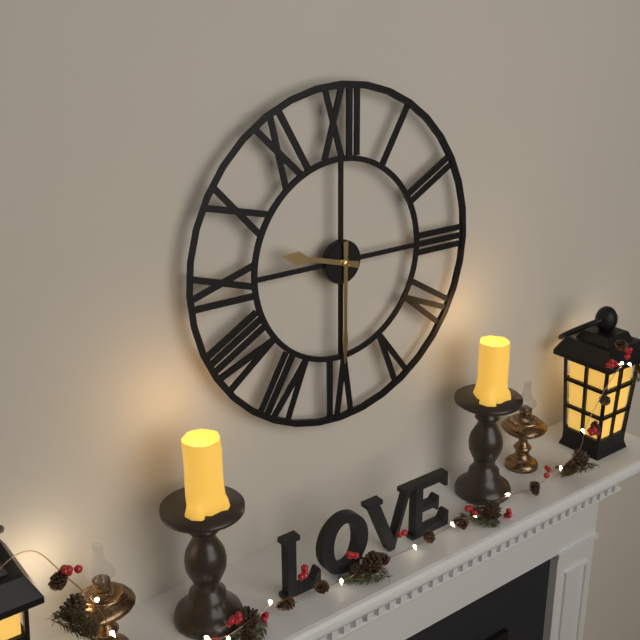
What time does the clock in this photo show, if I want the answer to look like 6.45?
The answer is 9.30
